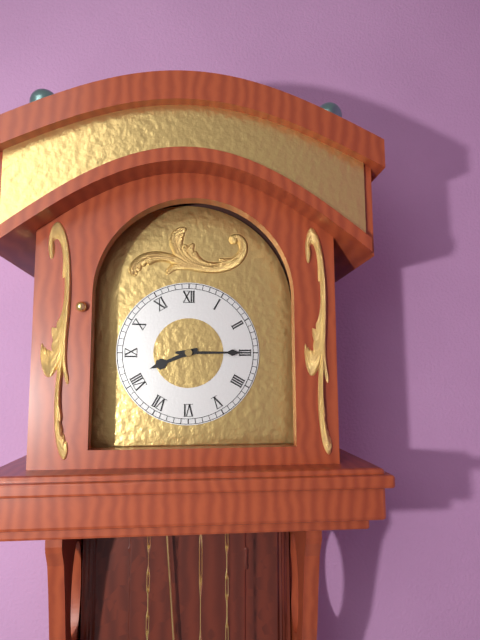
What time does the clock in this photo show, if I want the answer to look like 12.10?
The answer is 8.15
